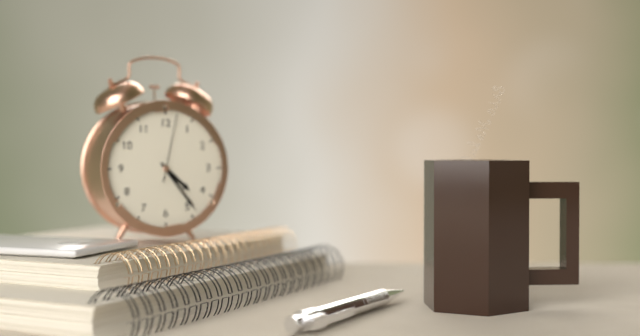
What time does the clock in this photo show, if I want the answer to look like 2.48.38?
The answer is 4.24.02
